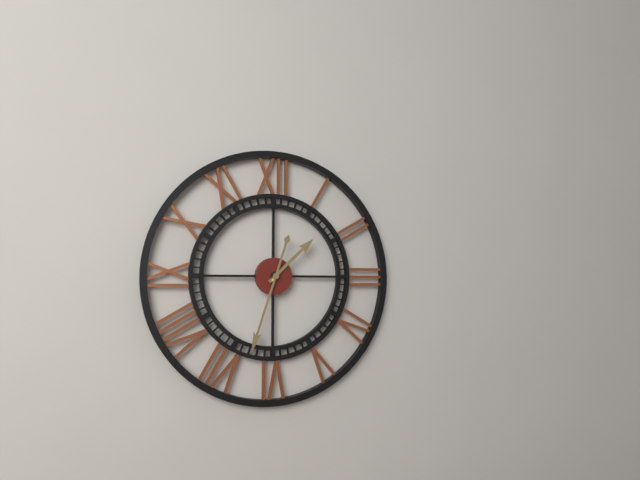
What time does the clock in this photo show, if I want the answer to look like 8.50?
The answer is 1.33
